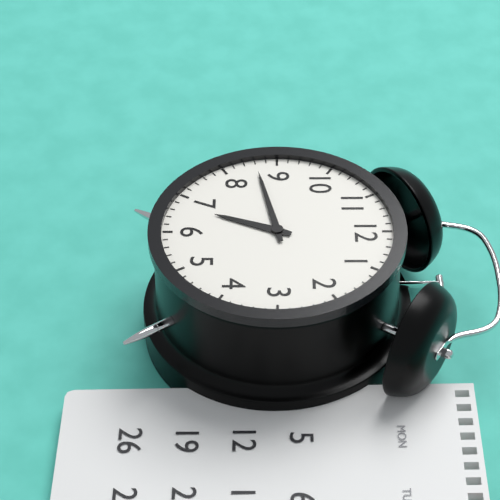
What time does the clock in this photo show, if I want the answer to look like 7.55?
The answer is 6.43
